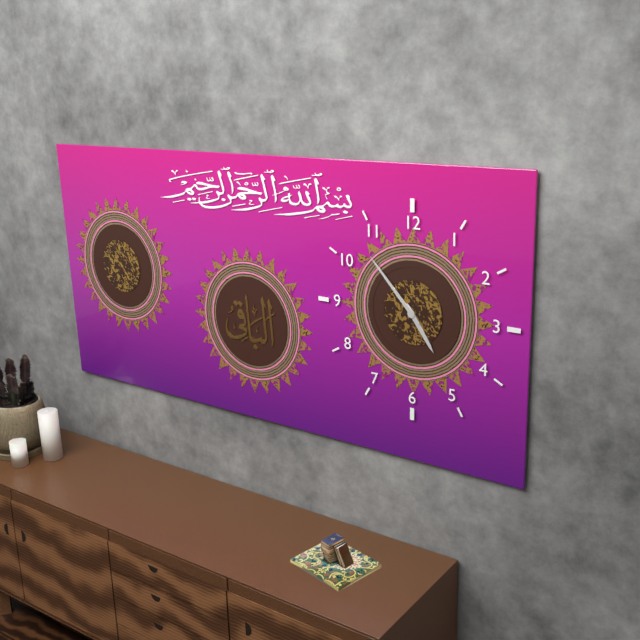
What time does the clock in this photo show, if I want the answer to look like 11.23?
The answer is 4.53
